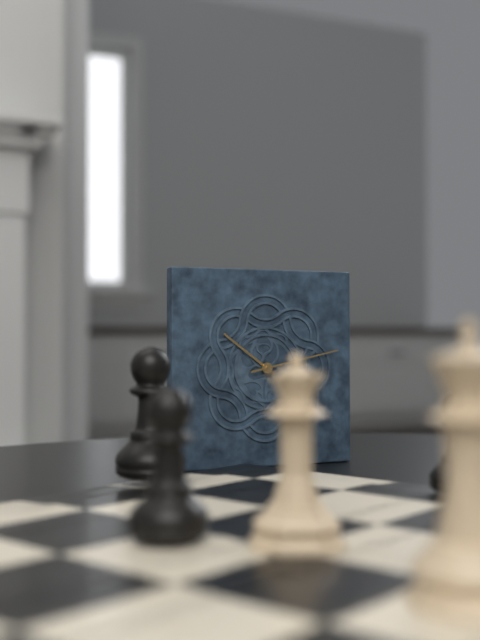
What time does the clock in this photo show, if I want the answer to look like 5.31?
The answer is 10.13
